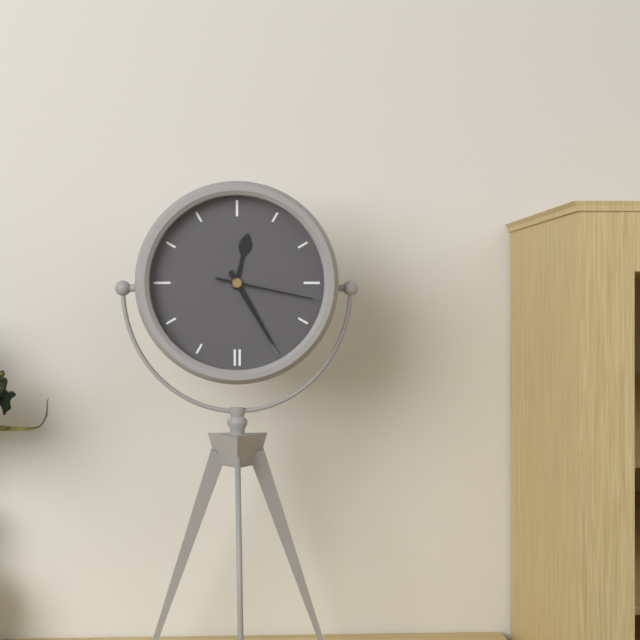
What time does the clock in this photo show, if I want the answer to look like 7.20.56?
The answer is 12.25.17
